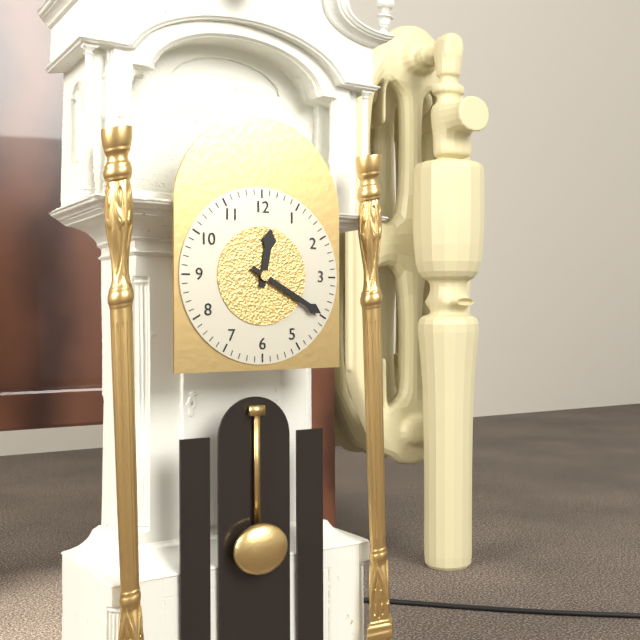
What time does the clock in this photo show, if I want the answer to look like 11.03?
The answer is 12.20
